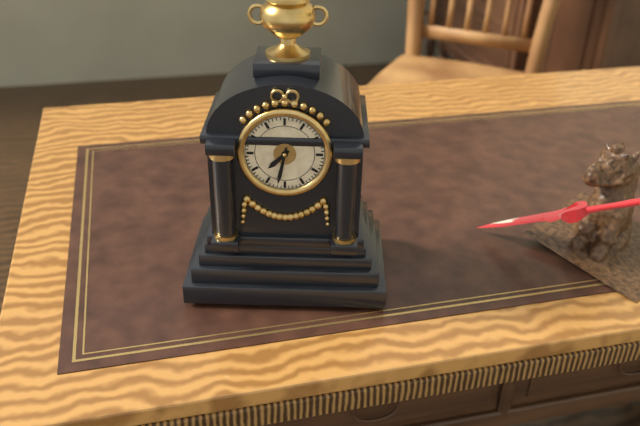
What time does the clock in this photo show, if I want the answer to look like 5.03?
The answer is 7.32
